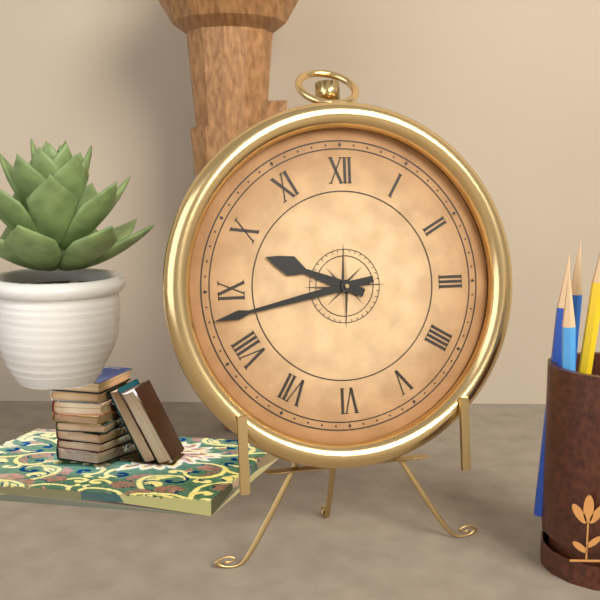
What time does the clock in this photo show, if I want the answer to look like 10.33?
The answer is 9.43
